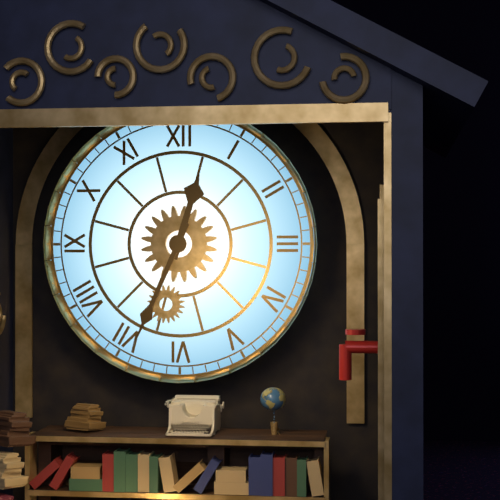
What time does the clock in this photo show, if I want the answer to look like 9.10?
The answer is 12.34
